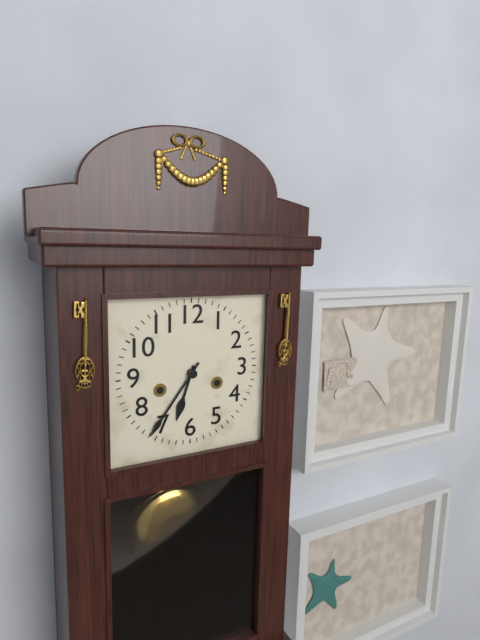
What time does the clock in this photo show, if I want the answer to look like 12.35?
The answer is 6.36
